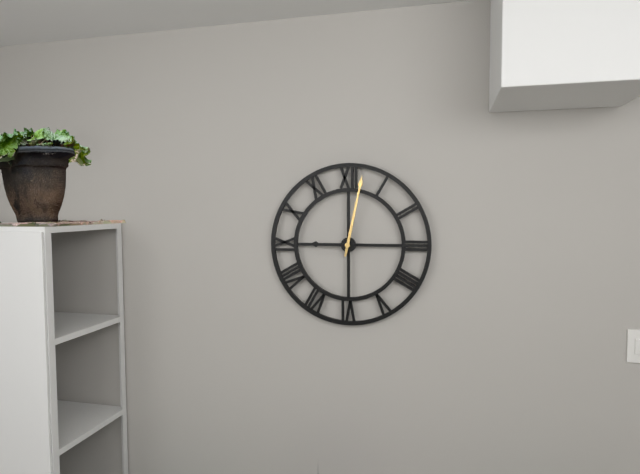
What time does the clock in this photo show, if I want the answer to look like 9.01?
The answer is 9.02
